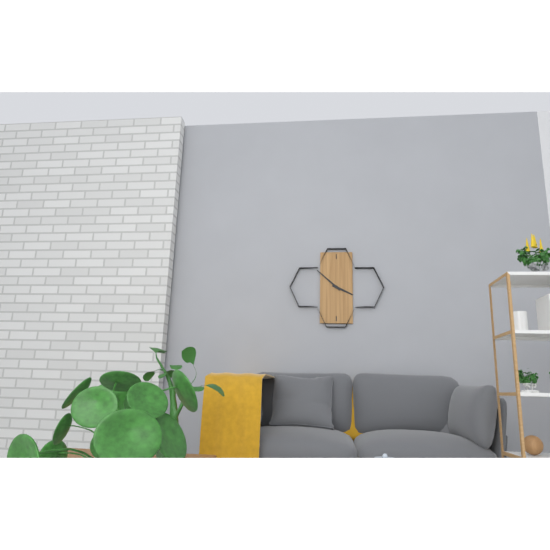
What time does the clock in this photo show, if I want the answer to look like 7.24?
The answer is 3.52
